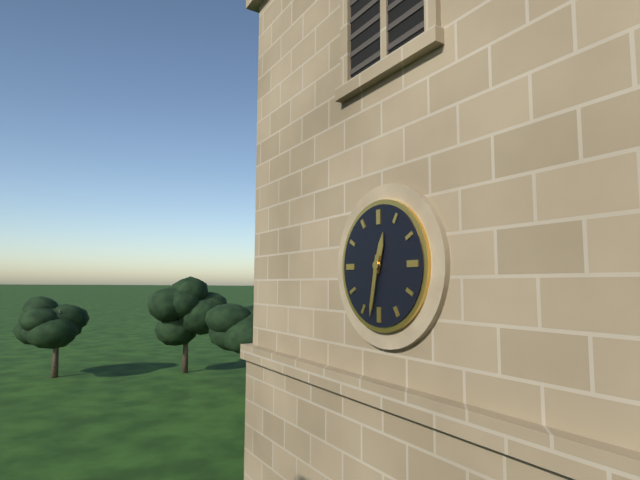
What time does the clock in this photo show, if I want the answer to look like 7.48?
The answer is 12.32
